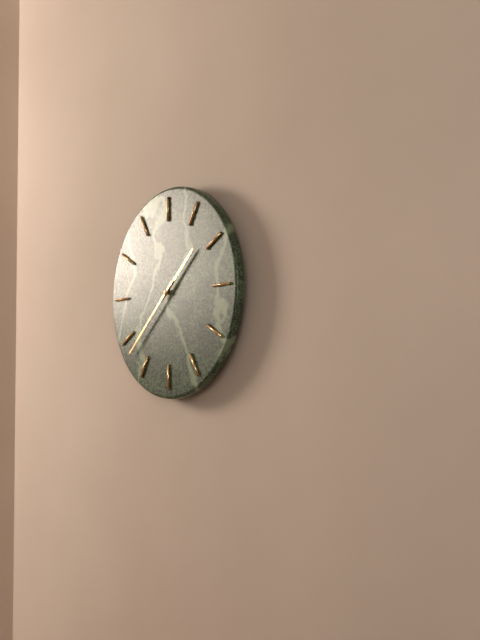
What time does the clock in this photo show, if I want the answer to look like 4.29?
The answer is 1.38
